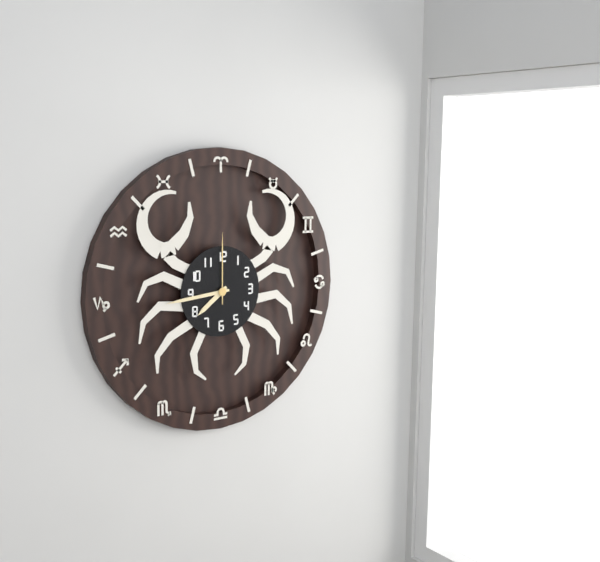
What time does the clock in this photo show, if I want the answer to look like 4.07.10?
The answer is 7.44.00
